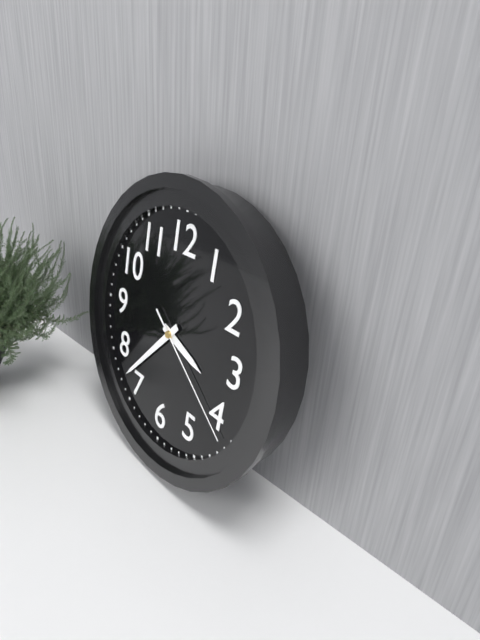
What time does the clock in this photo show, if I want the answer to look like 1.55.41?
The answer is 3.37.21
